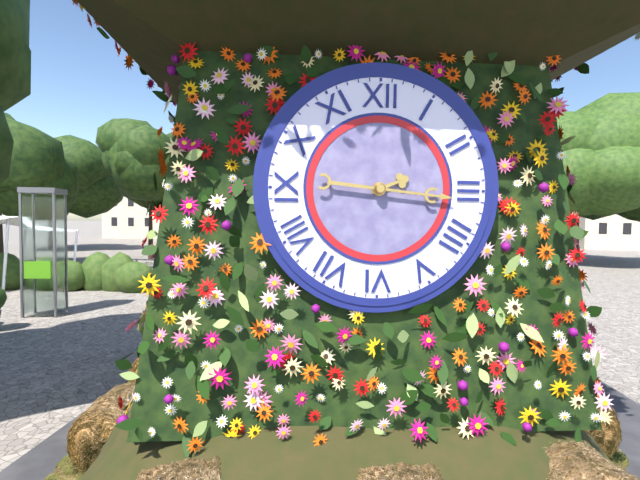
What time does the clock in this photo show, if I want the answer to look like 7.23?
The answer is 2.16
